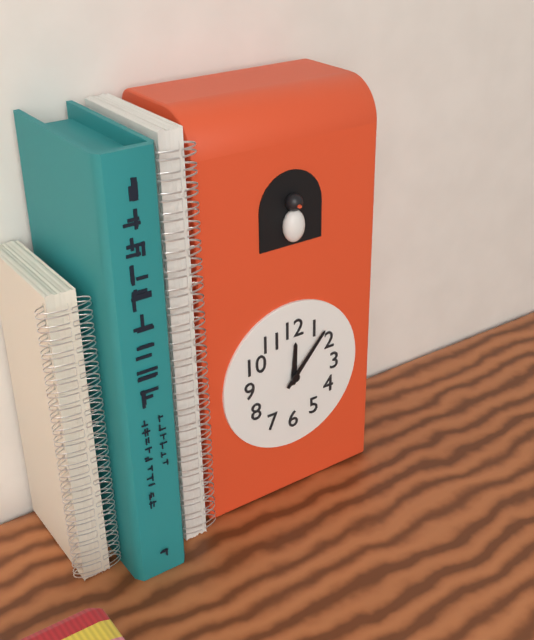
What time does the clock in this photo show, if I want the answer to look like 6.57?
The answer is 12.07
